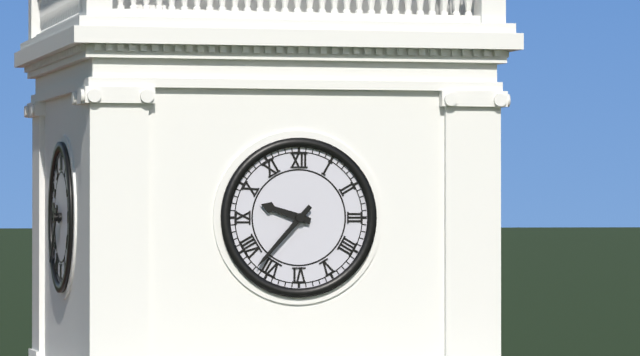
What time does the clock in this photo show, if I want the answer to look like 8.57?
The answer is 9.37
